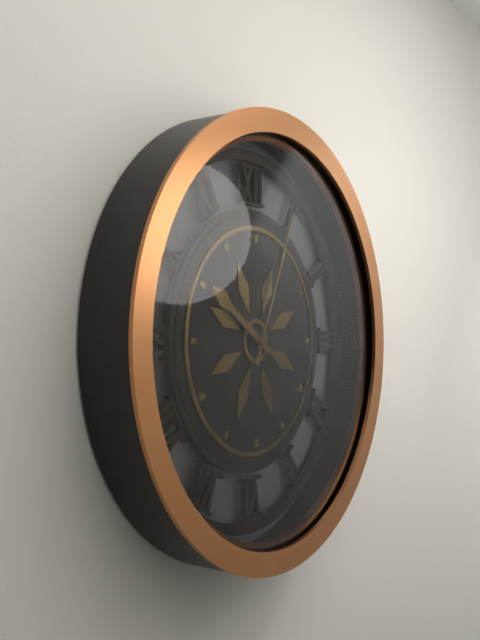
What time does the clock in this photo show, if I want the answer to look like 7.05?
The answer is 10.04
